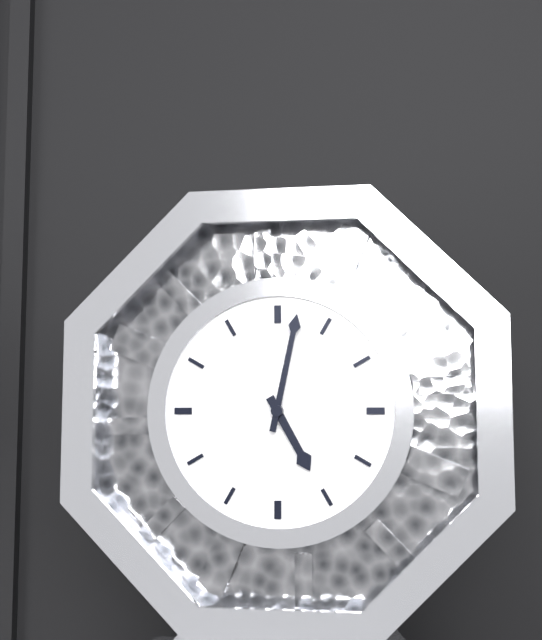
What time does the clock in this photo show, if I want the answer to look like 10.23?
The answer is 5.02
